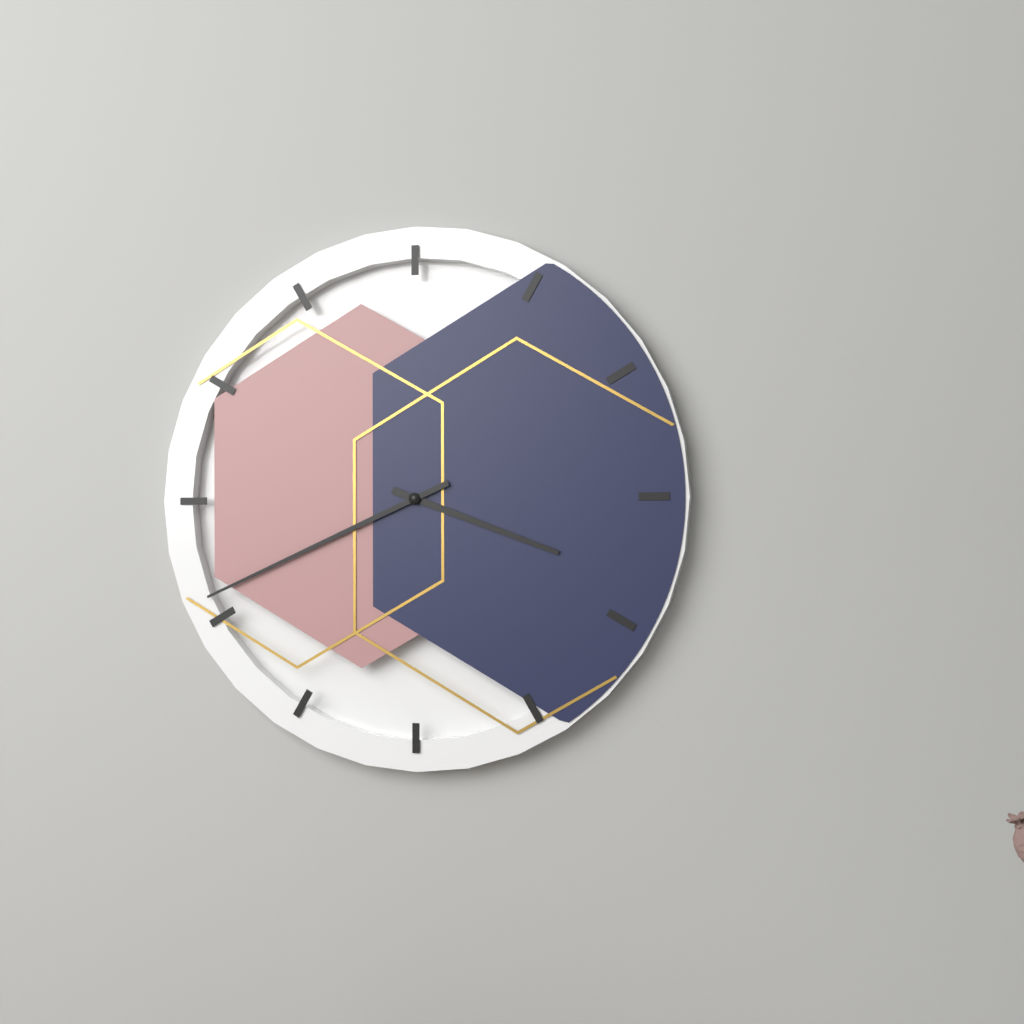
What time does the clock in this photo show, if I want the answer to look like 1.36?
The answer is 3.41
